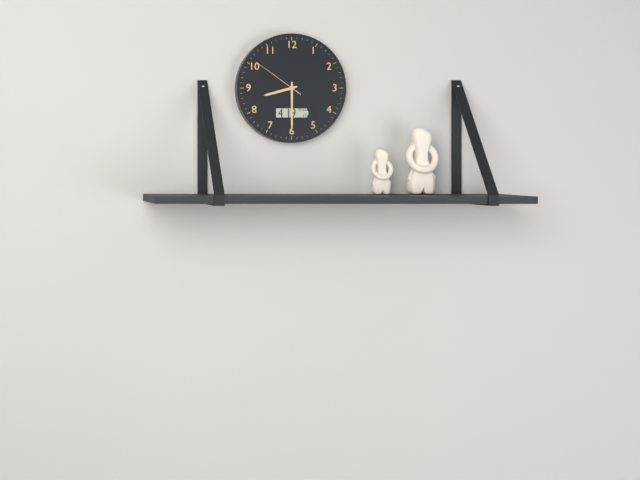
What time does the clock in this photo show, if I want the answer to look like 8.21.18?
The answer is 8.30.51
